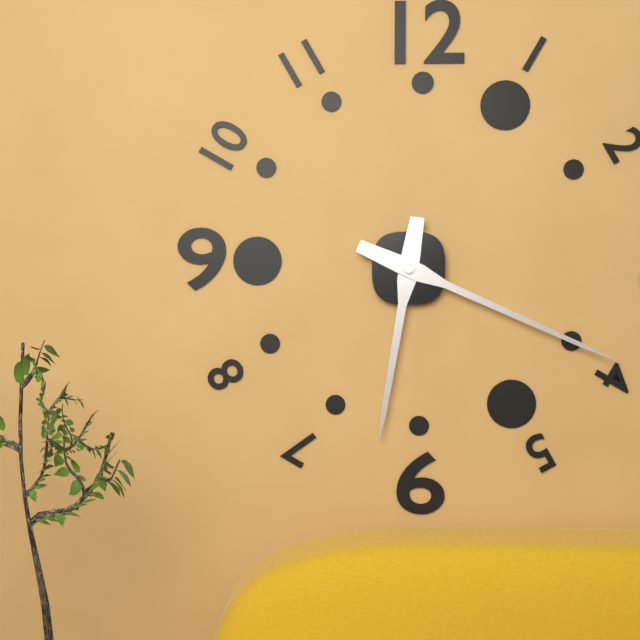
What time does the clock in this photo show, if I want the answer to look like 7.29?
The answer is 6.19
